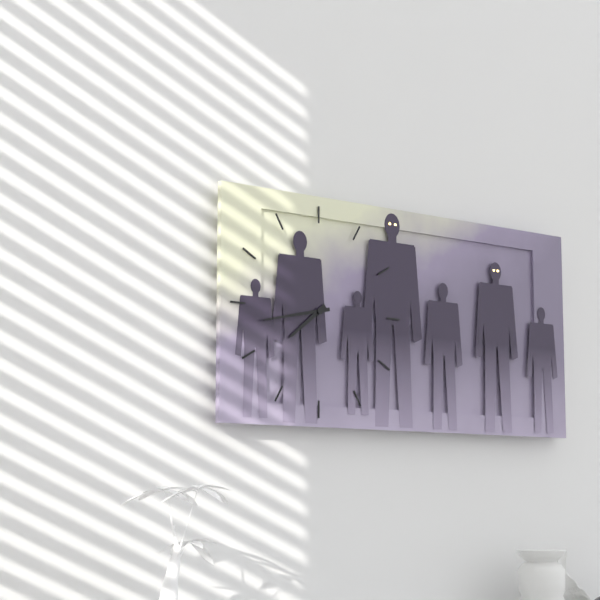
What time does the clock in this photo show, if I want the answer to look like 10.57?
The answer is 7.43
